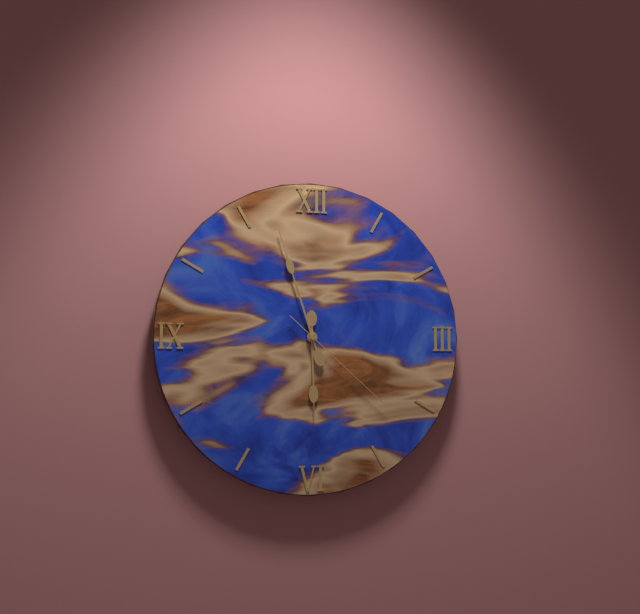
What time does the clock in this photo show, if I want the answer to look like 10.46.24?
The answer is 5.57.22
